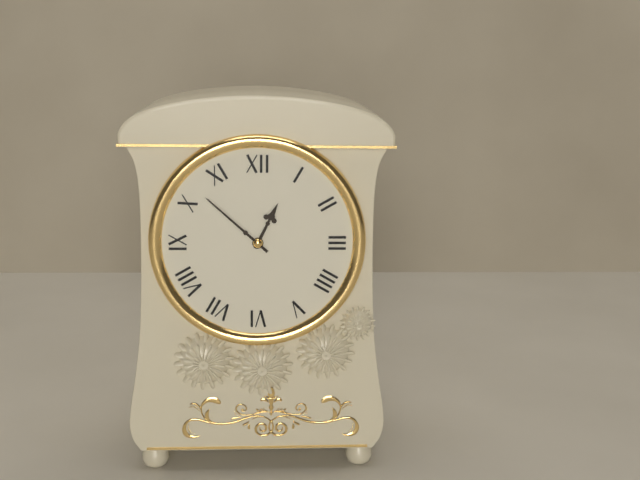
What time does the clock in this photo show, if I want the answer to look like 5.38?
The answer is 12.52
